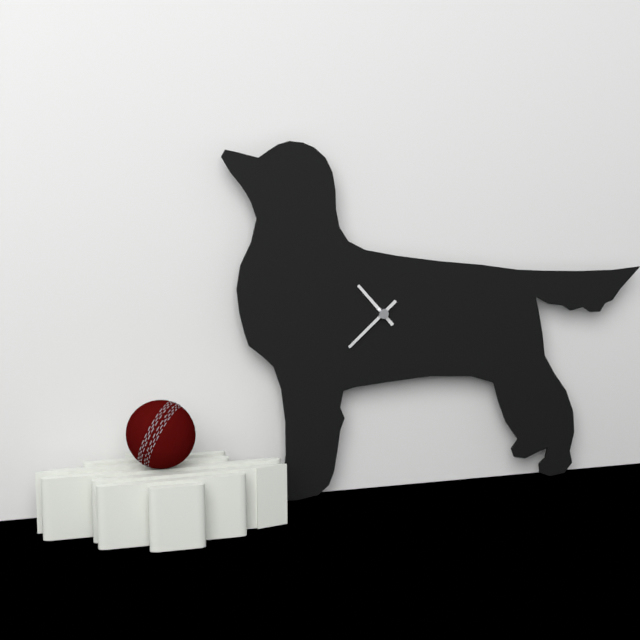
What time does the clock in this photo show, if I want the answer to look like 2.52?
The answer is 10.38
